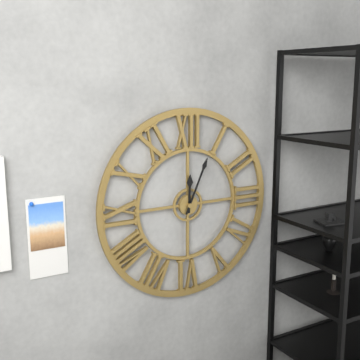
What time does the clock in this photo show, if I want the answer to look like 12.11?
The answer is 12.04
